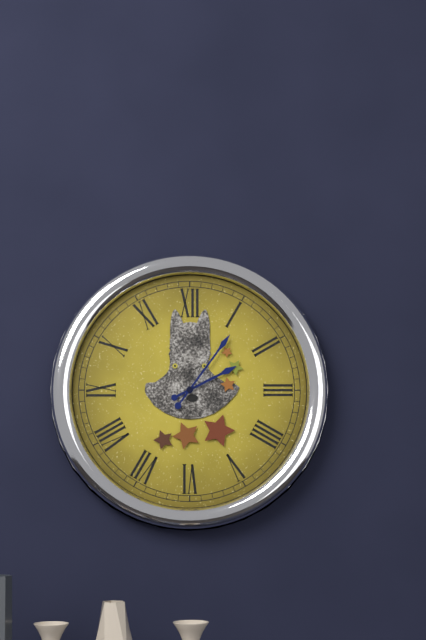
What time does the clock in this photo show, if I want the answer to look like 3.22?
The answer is 2.06
